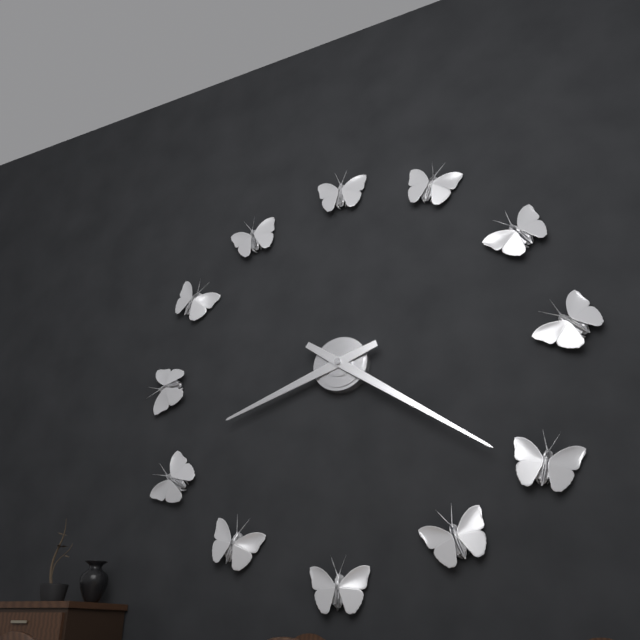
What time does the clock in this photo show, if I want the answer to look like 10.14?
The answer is 8.21
